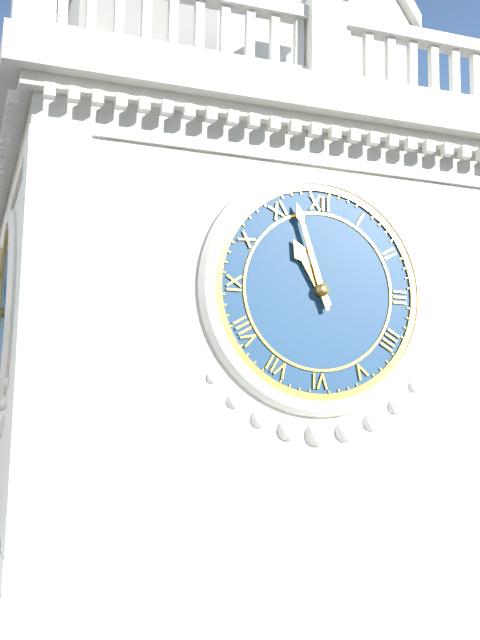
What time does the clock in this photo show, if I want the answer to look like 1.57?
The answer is 10.57
